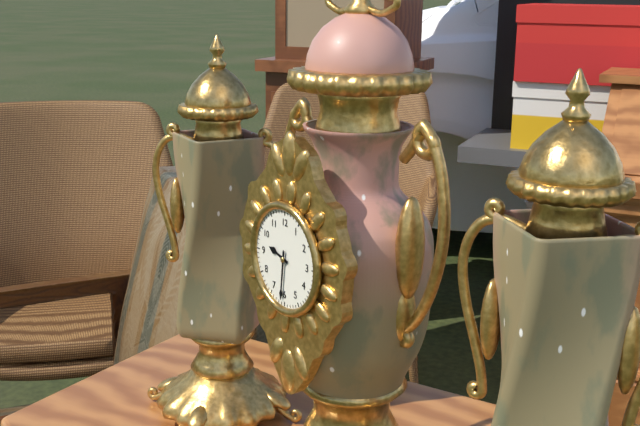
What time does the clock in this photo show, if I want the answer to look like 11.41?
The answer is 9.31
